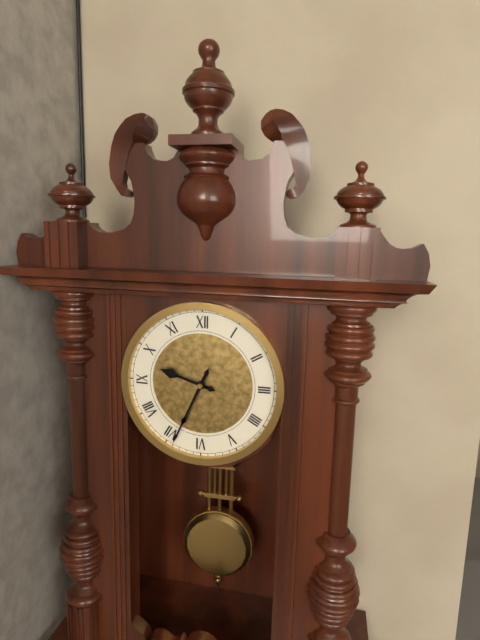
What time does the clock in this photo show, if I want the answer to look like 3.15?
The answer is 9.34
